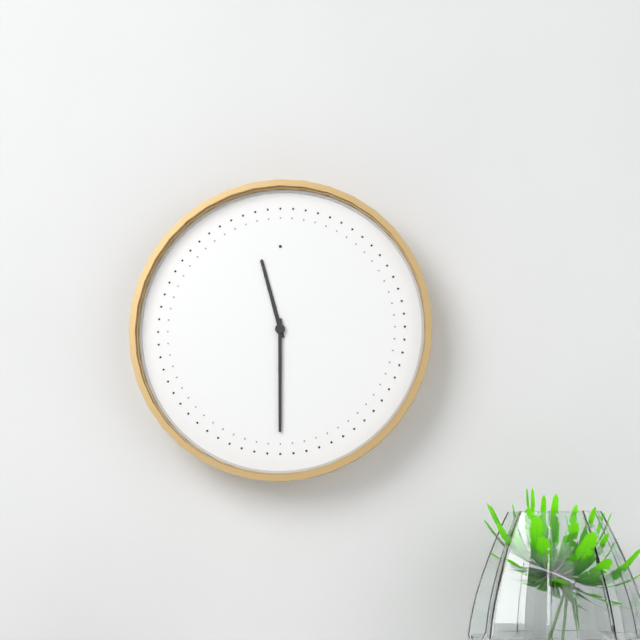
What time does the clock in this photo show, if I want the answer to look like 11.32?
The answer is 11.30
